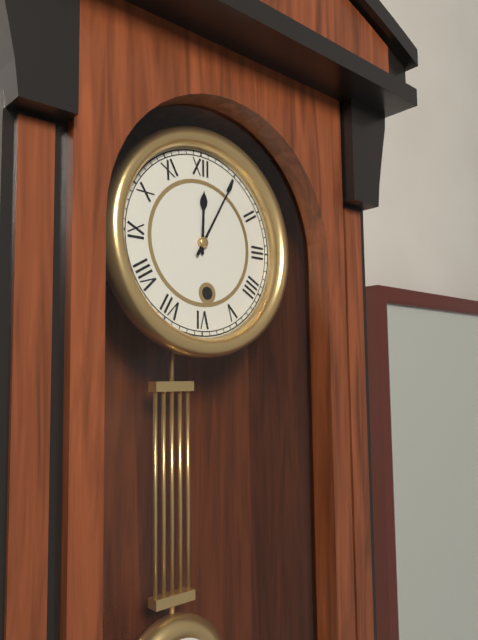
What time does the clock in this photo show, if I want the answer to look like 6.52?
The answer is 12.05
